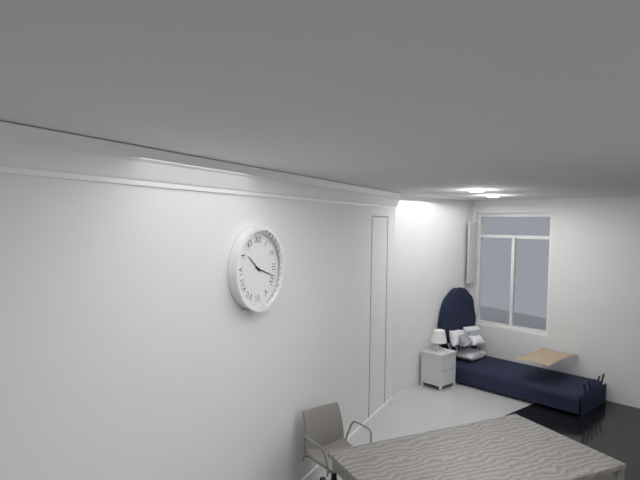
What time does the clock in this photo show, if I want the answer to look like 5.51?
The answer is 10.18
